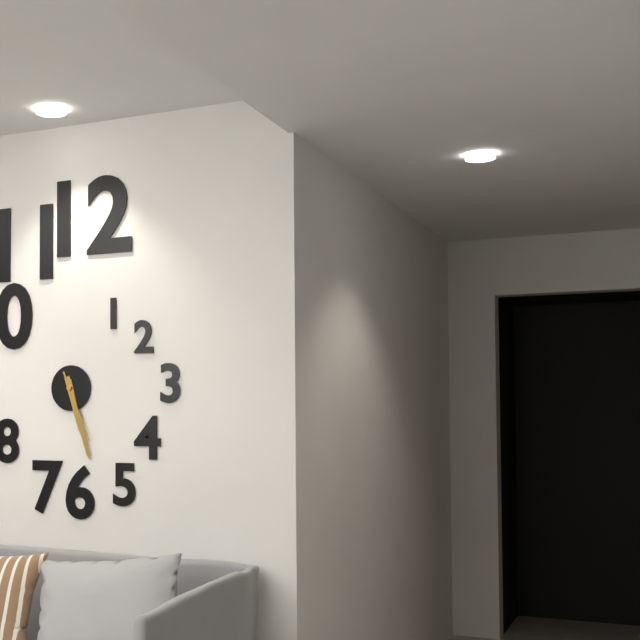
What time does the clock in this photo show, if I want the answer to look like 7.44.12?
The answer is 5.27.26
